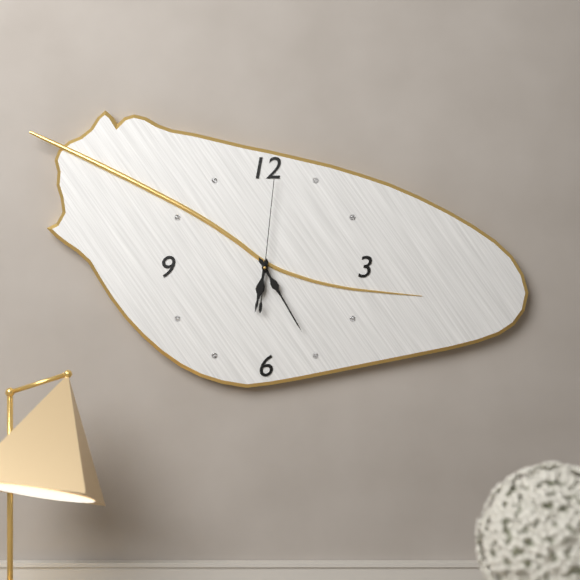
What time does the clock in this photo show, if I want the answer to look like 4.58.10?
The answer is 6.25.01
